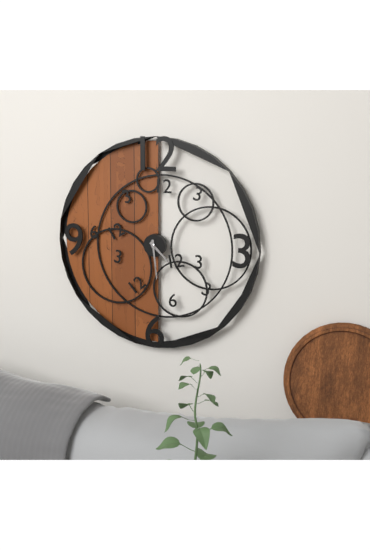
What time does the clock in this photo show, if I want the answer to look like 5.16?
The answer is 4.29
